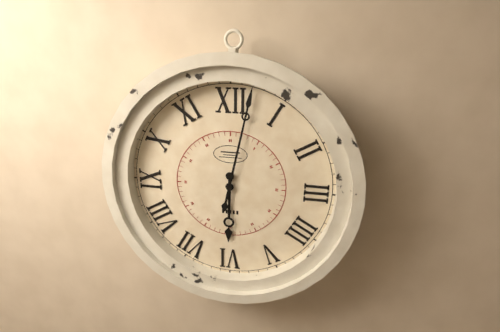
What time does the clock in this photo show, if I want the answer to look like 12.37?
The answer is 6.02
